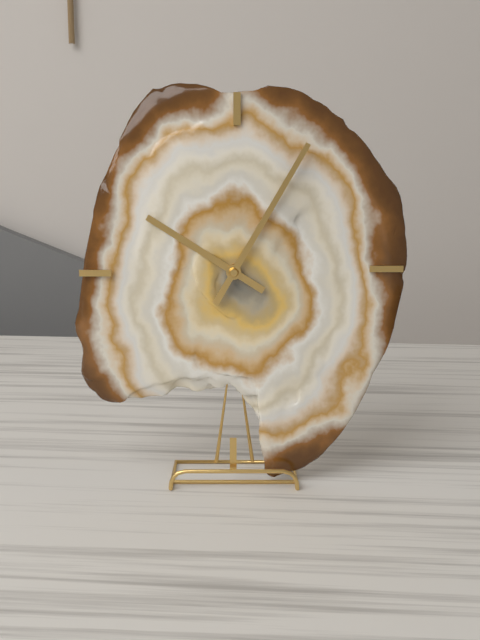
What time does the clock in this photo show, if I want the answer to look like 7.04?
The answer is 10.05
